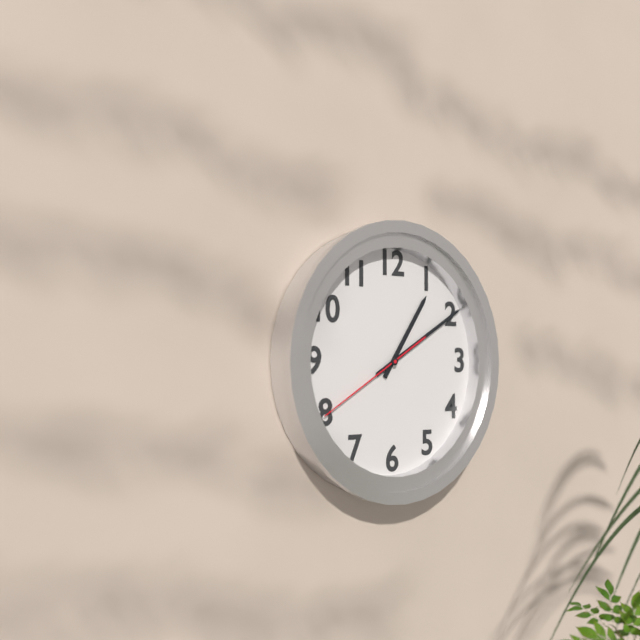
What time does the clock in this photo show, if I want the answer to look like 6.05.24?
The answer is 1.10.40
